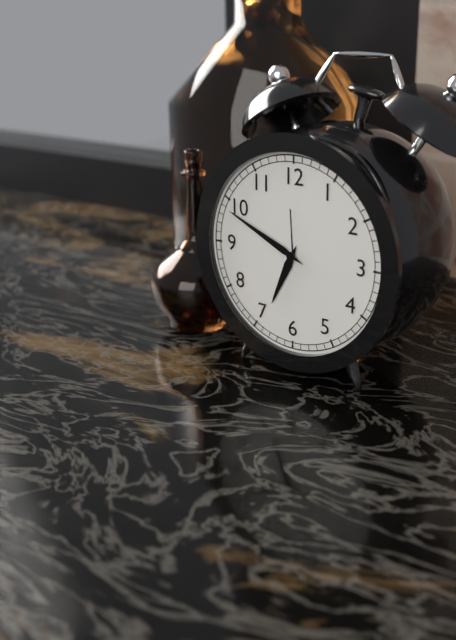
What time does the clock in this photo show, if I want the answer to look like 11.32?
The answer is 6.49
